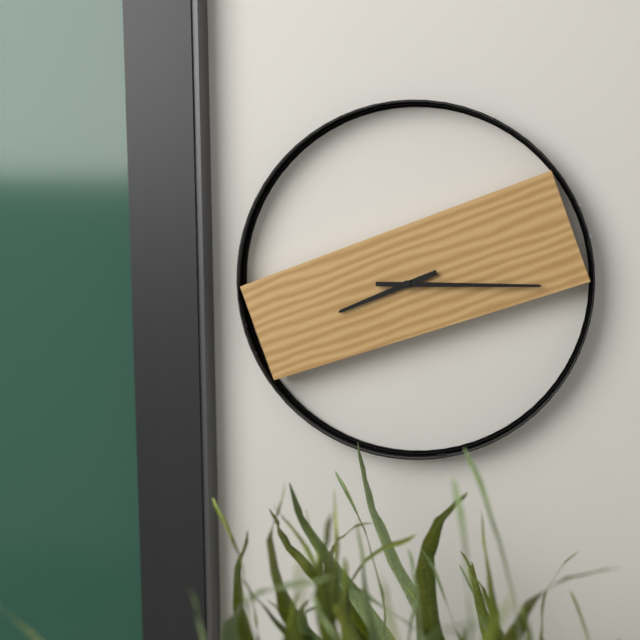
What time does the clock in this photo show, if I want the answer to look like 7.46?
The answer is 8.15
